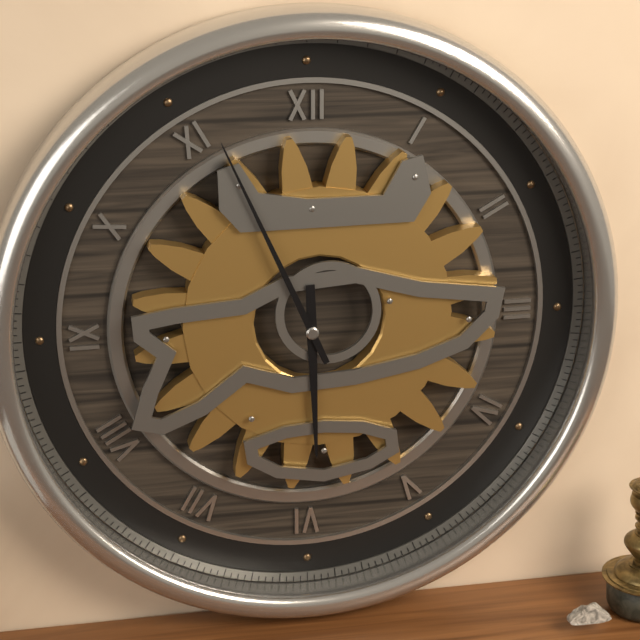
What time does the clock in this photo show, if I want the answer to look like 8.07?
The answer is 5.56
